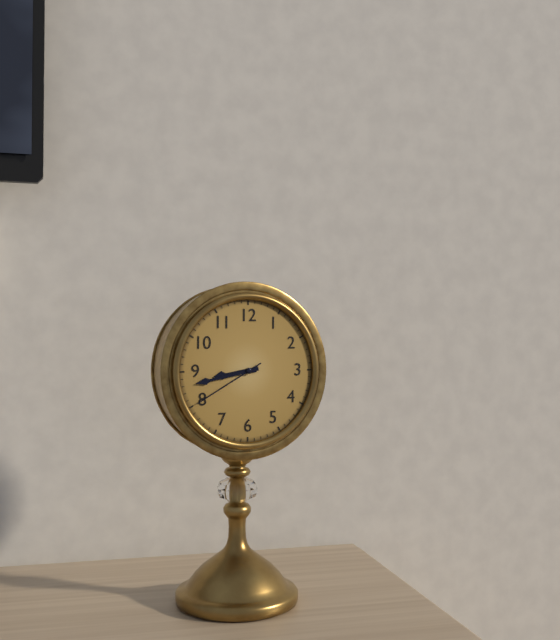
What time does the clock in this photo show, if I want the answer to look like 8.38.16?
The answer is 8.43.40
